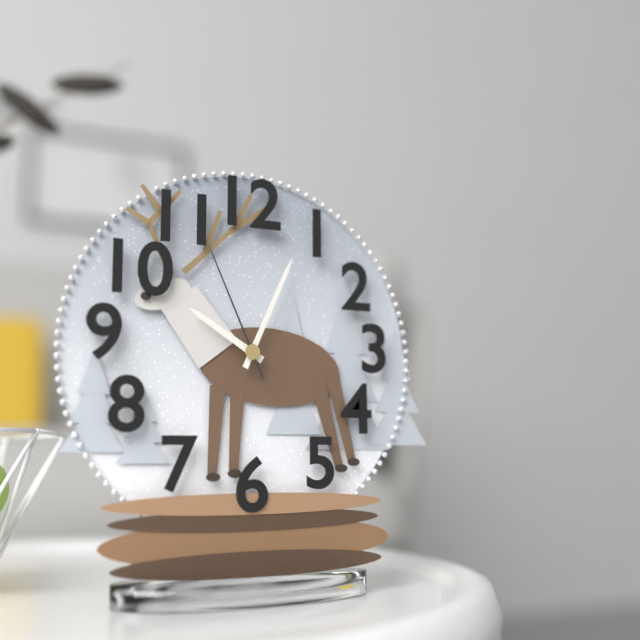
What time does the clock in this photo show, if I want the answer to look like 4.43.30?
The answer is 10.04.56
